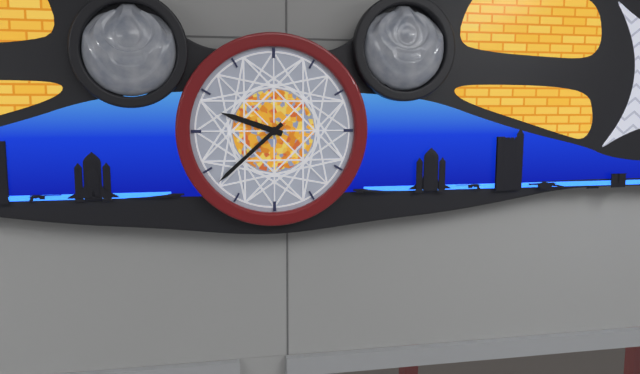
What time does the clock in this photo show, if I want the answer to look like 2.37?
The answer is 9.38
